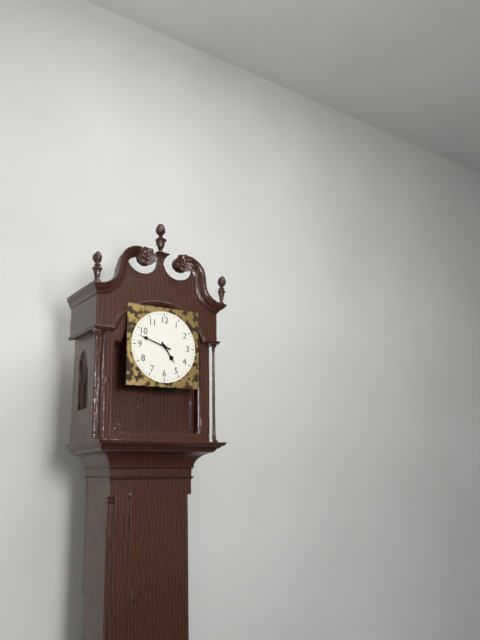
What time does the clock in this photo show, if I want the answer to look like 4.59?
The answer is 4.48
